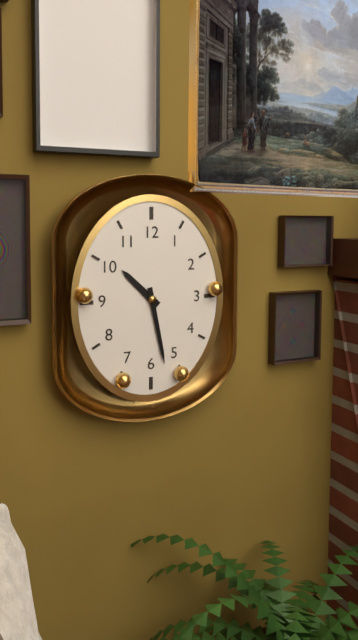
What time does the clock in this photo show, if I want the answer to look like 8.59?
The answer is 10.28
